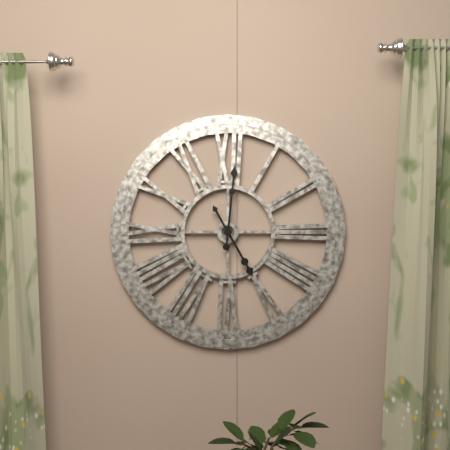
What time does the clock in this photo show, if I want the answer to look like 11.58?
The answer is 5.01
